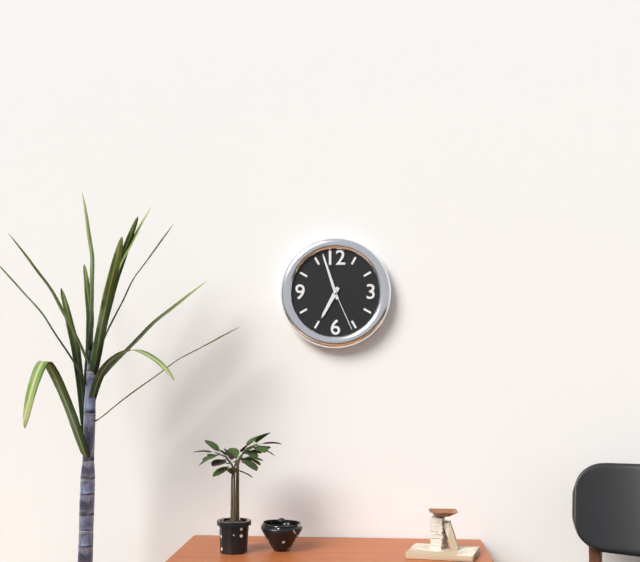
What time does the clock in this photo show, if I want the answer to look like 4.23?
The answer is 6.57
